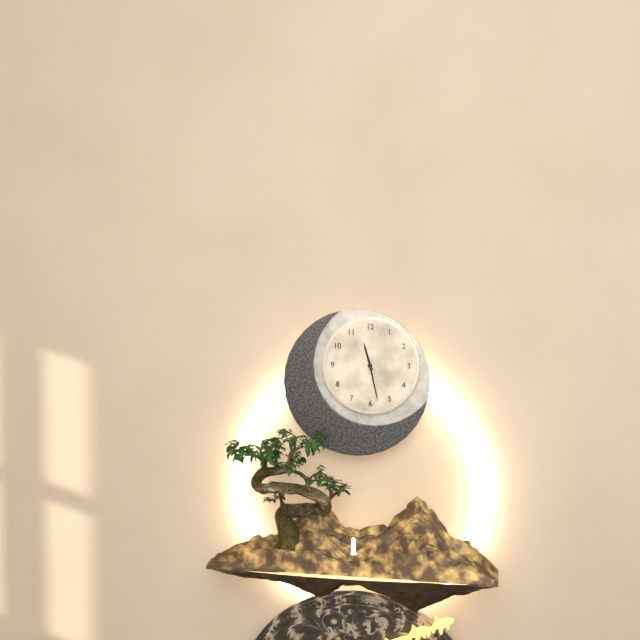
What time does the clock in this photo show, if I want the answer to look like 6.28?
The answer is 11.28
